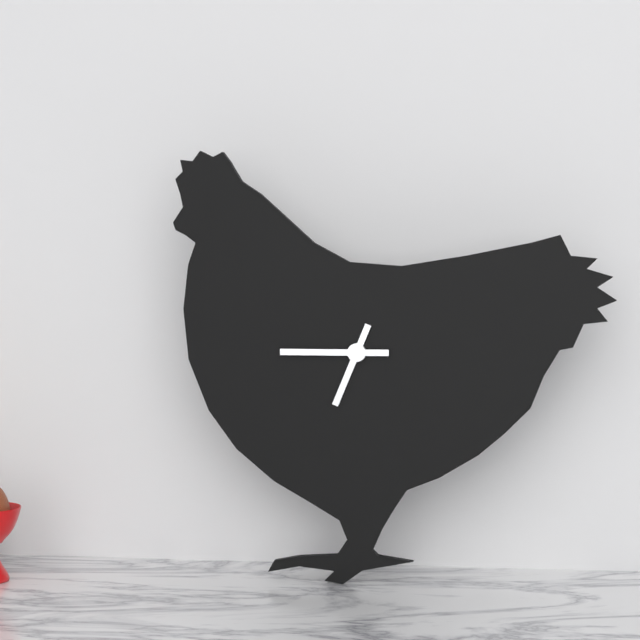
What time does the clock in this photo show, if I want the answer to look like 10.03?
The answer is 6.45
